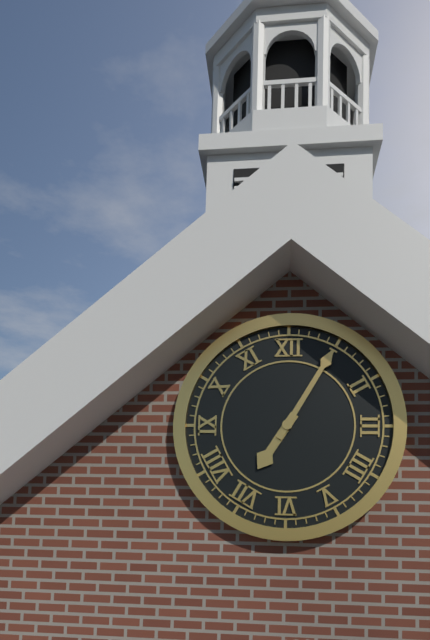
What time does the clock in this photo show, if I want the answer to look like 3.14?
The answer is 7.05
